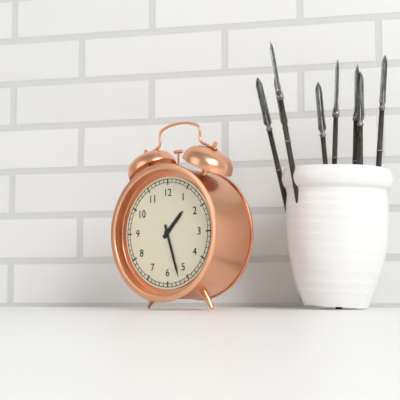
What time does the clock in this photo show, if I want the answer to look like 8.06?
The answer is 1.27
